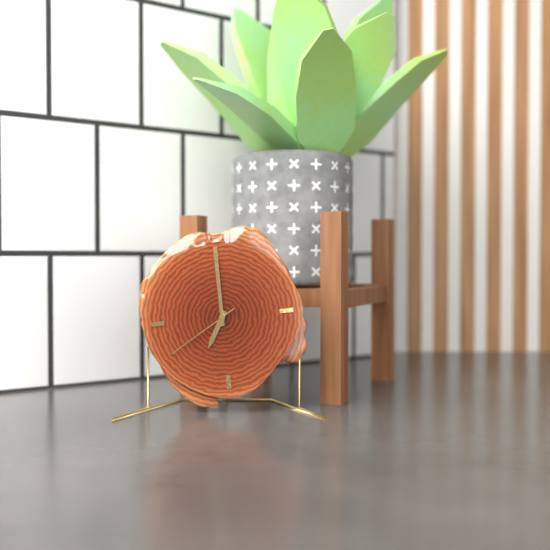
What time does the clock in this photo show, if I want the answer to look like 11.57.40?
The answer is 7.00.40
